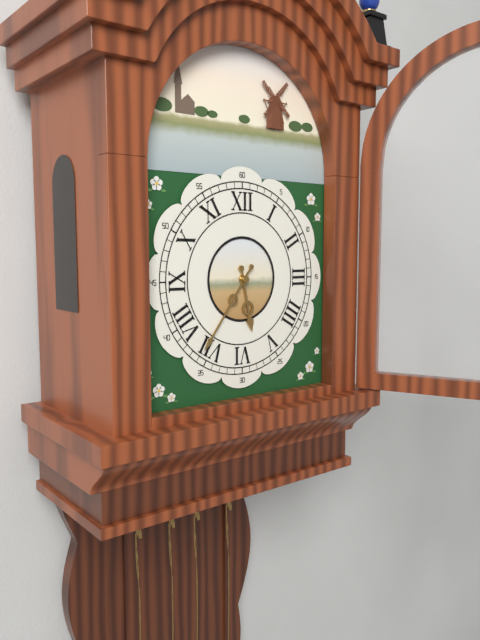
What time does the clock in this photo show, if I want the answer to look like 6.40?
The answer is 5.36
